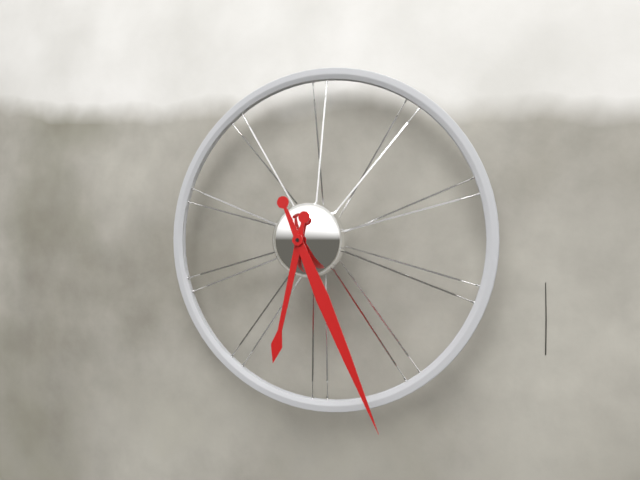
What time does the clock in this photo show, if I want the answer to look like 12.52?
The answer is 6.26
